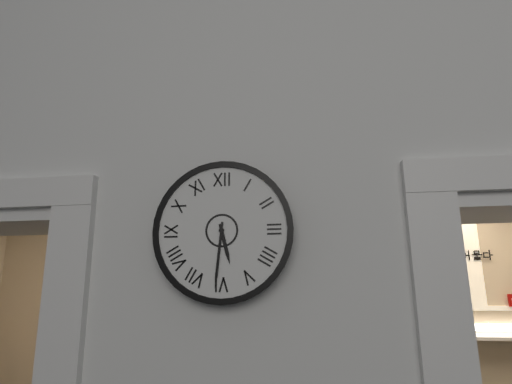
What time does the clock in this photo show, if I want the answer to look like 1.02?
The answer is 5.31
